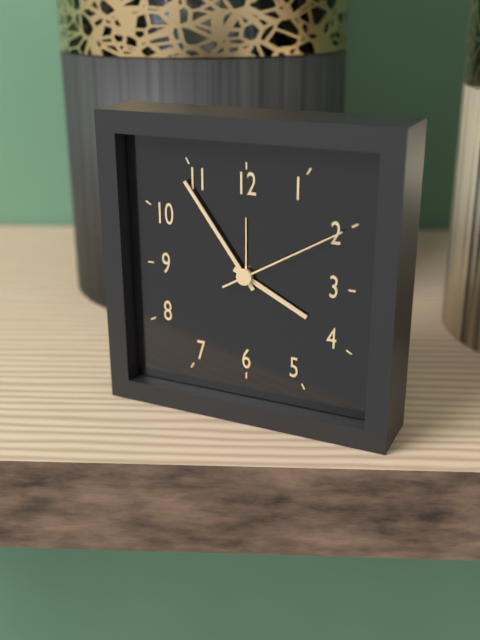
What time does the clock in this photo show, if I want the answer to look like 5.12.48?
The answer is 3.54.10
